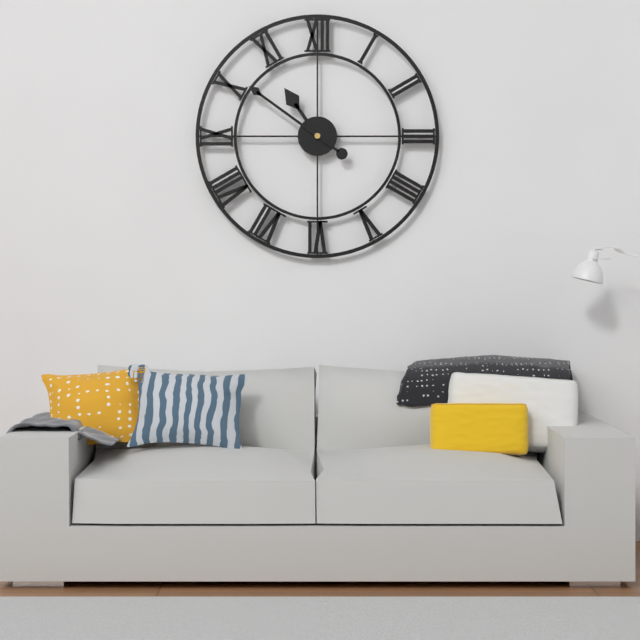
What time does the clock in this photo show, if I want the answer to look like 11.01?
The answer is 10.51
